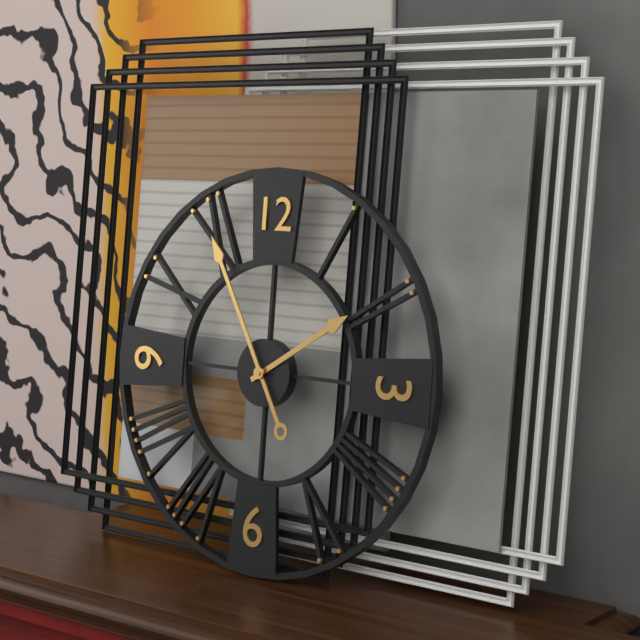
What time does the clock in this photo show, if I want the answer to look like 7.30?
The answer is 1.55
